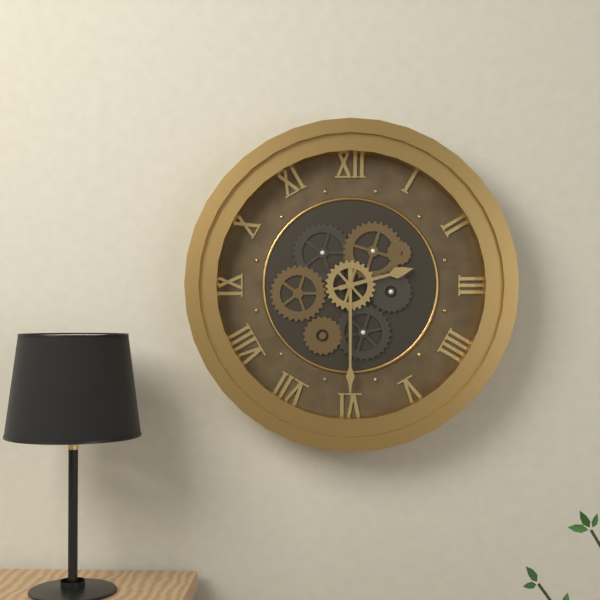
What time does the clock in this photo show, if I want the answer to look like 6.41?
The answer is 2.30
